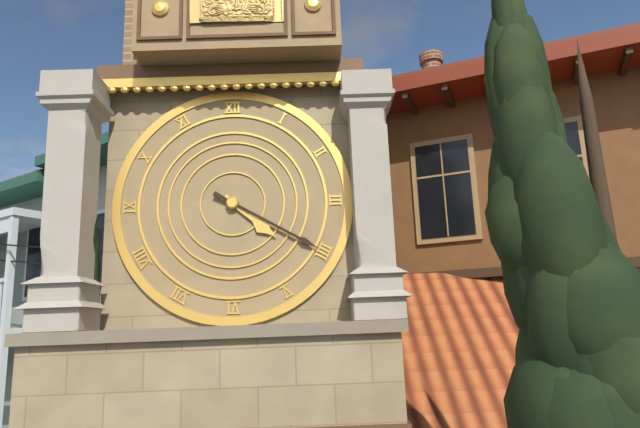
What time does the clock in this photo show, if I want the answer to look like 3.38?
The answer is 4.20
